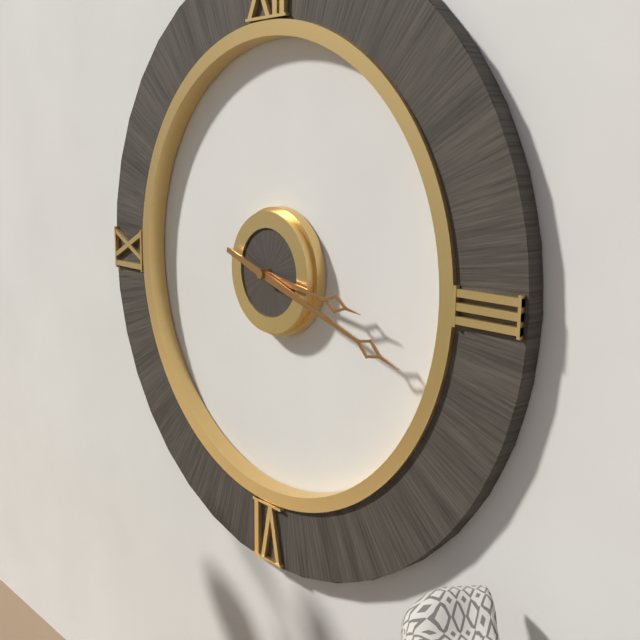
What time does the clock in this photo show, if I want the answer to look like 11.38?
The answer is 3.18
